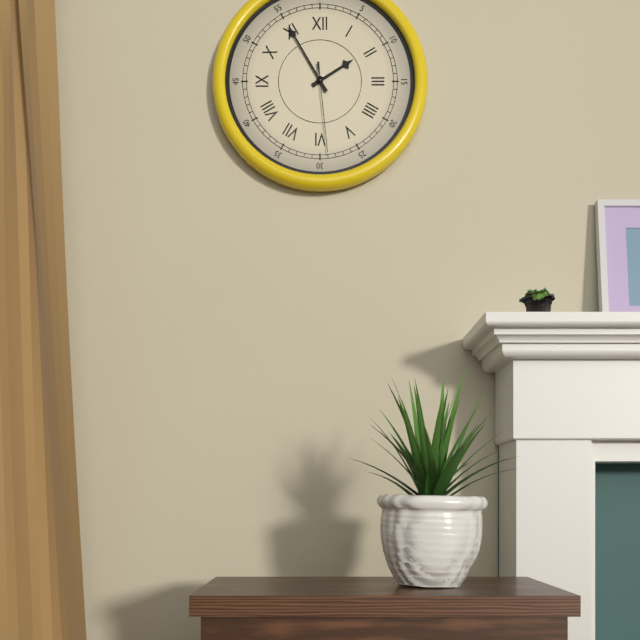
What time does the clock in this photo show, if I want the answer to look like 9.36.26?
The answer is 1.55.29
